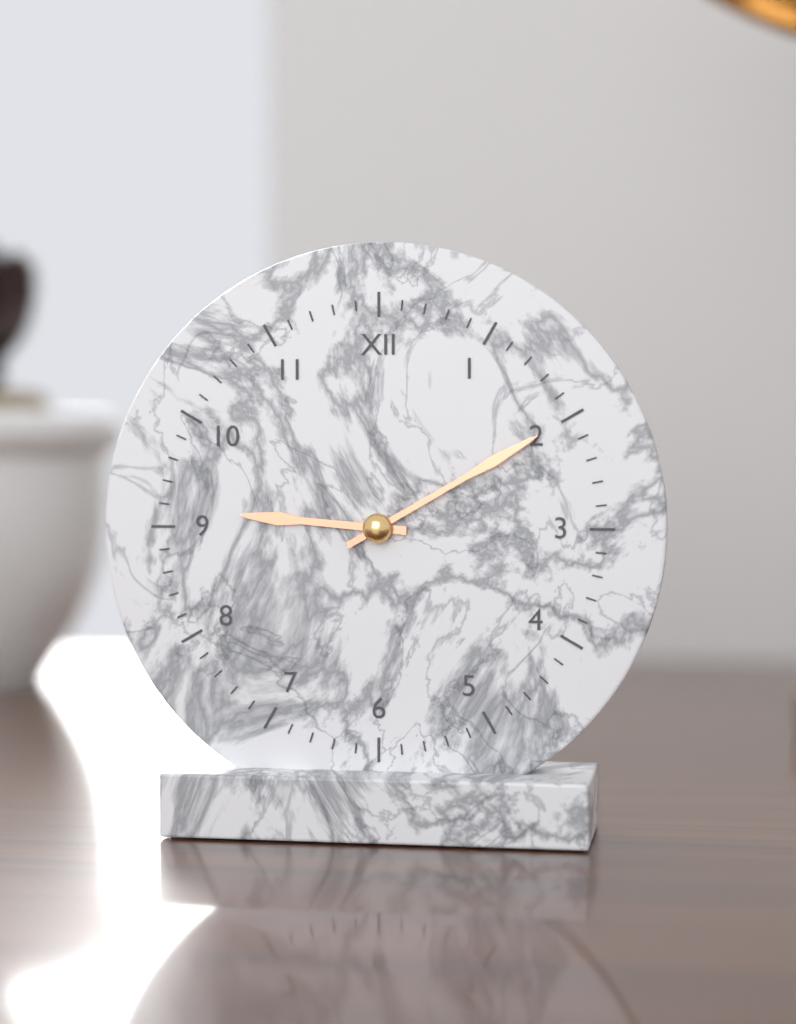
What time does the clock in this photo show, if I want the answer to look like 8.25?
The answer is 9.10
